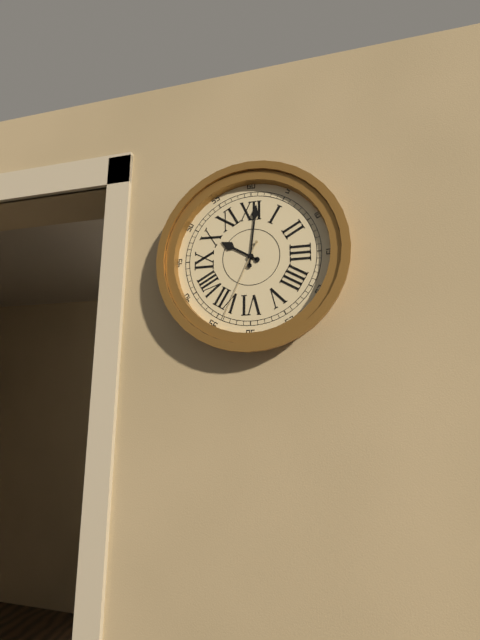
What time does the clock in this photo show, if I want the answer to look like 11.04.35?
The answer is 10.01.34
